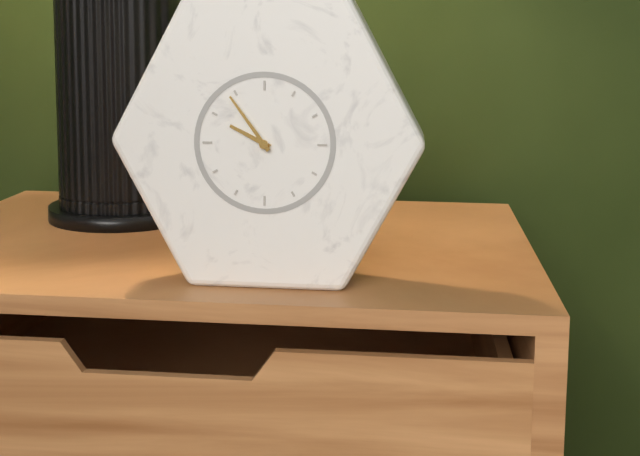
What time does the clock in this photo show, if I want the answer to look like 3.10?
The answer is 9.54
